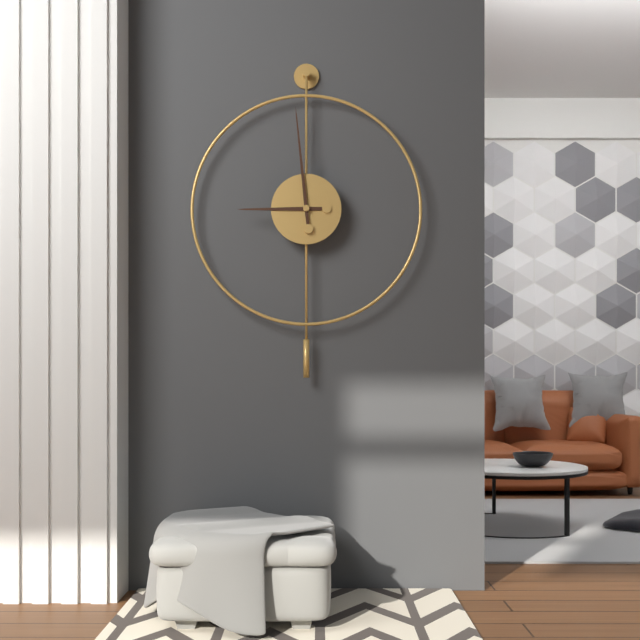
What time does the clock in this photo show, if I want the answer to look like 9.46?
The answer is 8.59
